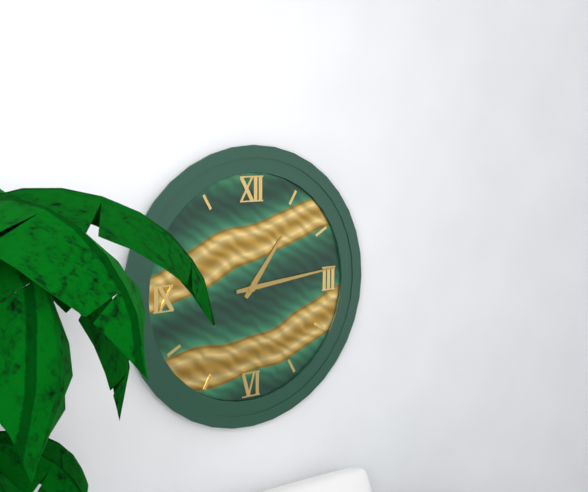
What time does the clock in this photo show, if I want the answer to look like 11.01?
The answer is 1.14
